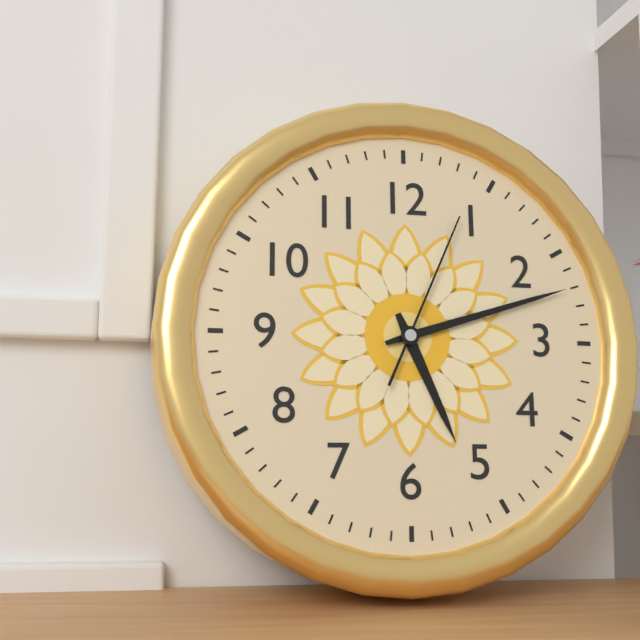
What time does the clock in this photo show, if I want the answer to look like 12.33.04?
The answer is 5.12.04
